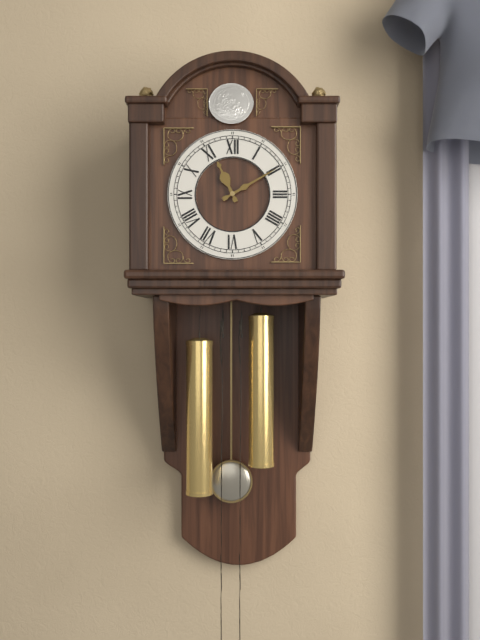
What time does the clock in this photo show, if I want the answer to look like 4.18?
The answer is 11.10
